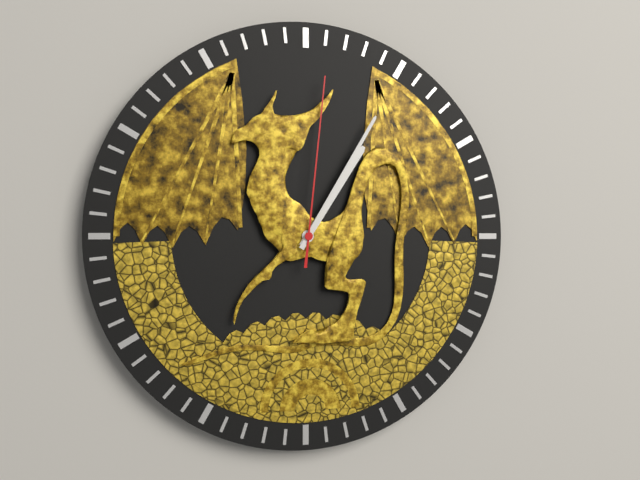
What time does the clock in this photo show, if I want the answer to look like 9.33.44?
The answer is 1.05.01
